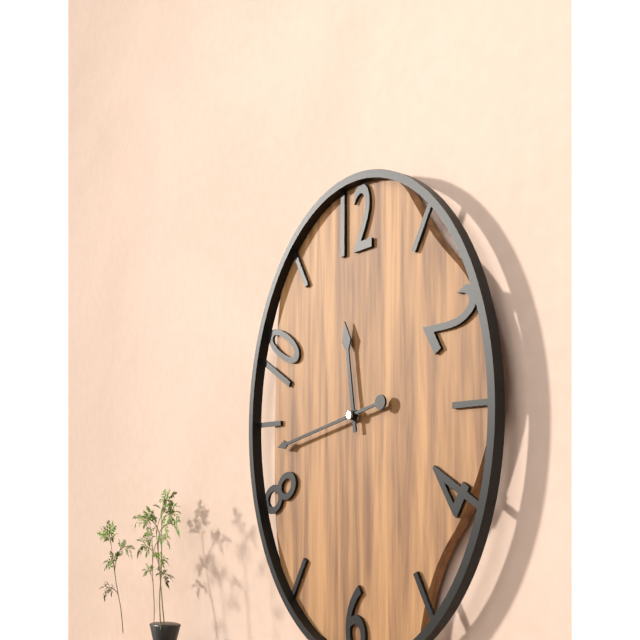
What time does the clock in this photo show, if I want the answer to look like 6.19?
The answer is 11.43
